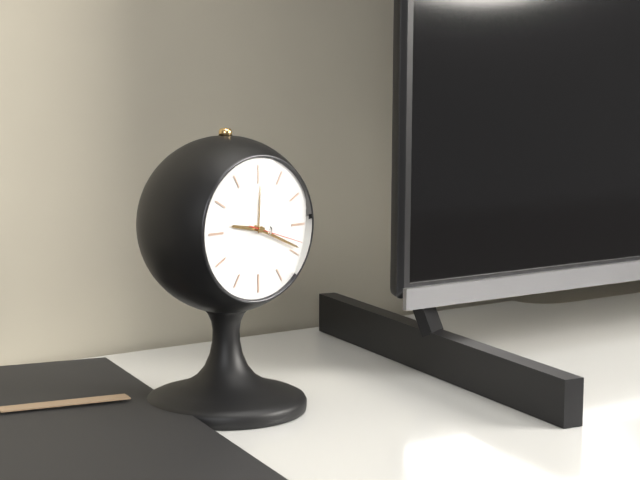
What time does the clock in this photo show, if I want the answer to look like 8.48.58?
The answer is 9.19.18
